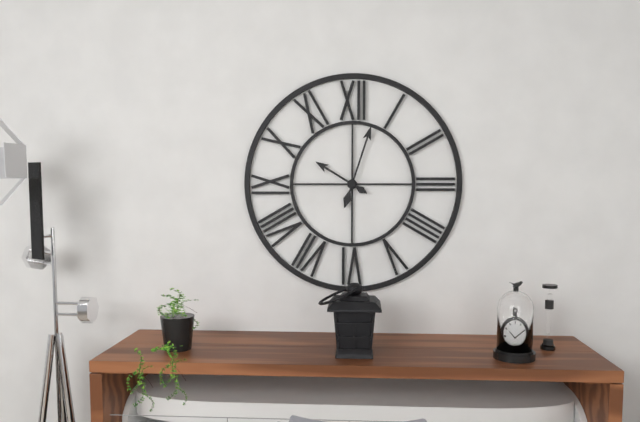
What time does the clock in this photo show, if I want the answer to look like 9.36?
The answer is 10.03
